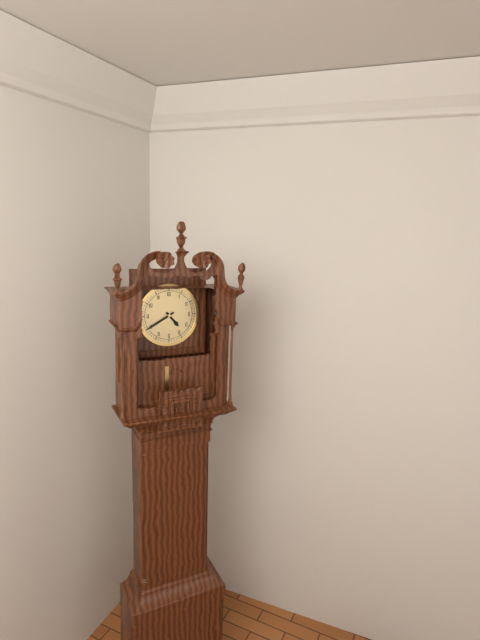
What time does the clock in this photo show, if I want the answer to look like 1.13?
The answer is 4.40
